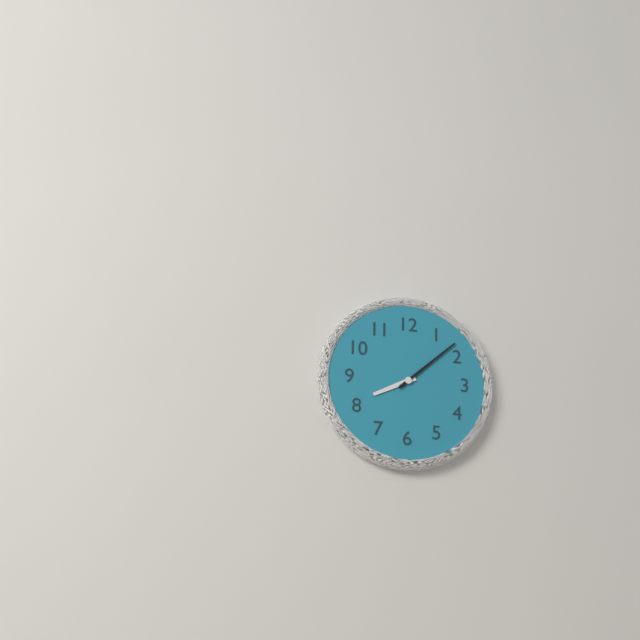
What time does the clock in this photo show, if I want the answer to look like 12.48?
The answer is 8.08
